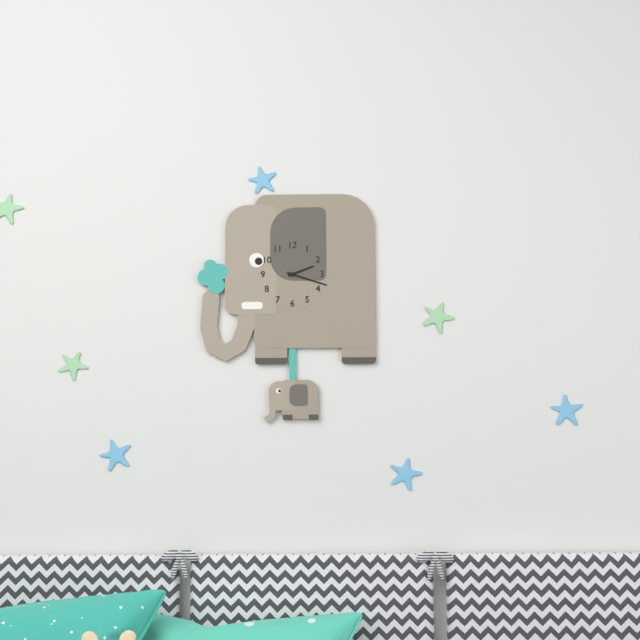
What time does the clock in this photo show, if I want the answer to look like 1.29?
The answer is 2.18
